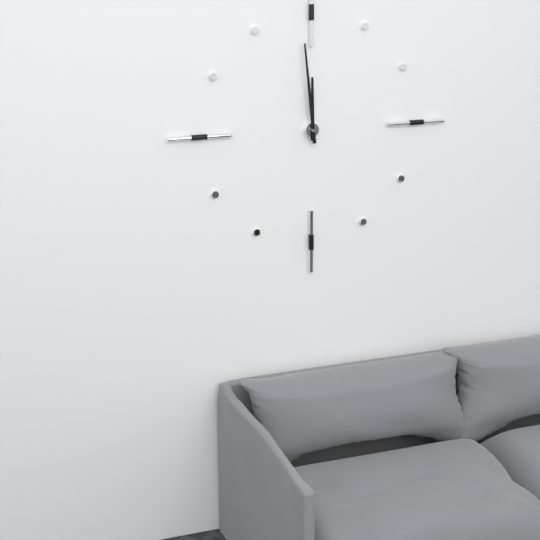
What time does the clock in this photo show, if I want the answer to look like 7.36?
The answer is 11.59
